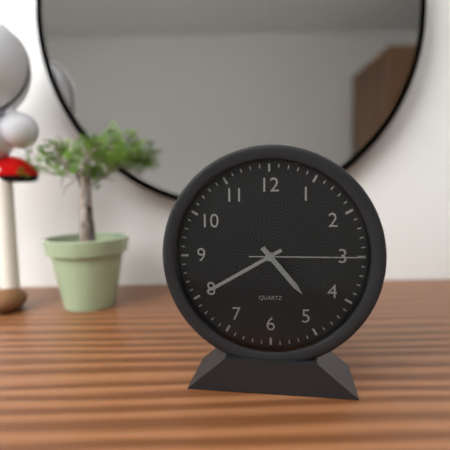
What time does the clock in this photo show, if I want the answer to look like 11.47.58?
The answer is 4.40.15
